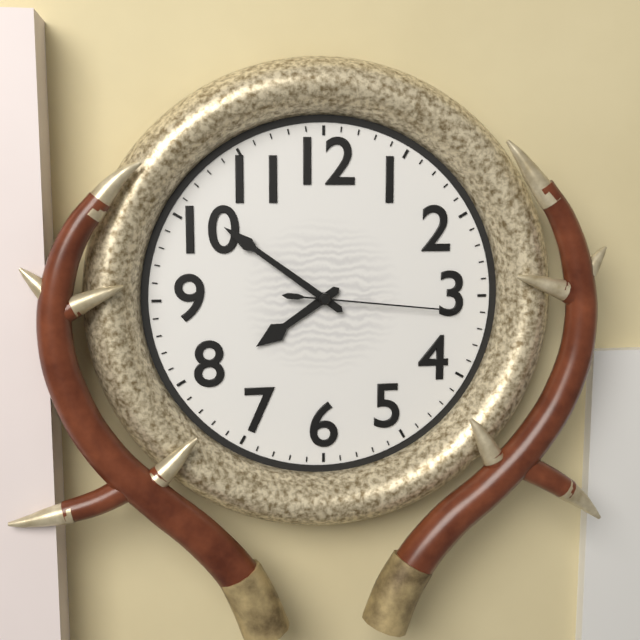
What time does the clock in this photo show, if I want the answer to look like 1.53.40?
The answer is 7.51.16
